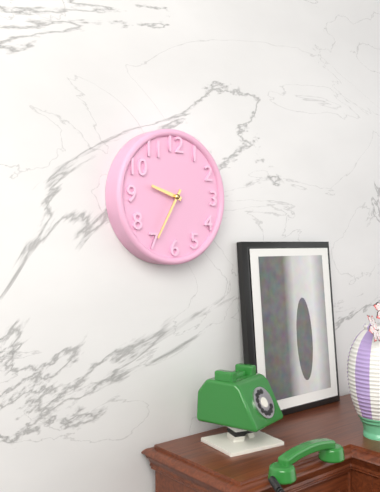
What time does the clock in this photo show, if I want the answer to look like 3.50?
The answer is 9.35
